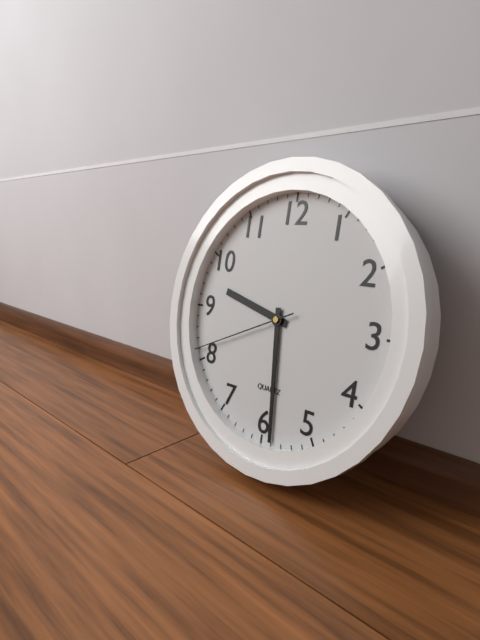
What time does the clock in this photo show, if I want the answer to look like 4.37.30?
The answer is 9.29.41
